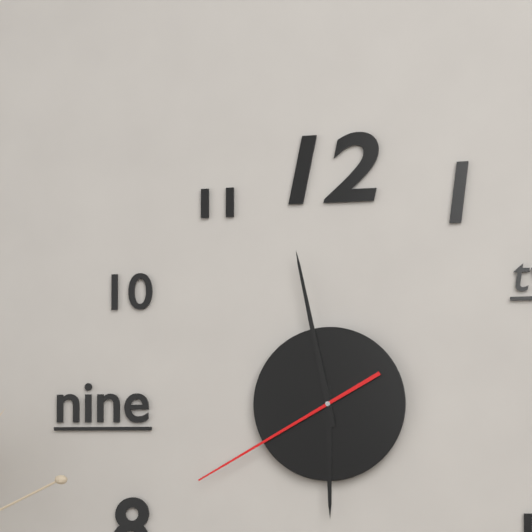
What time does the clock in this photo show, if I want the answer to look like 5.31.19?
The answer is 5.58.40
